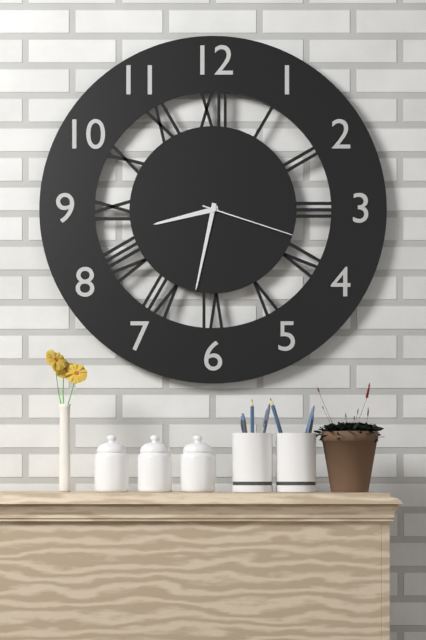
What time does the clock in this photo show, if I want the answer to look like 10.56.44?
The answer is 8.32.18
